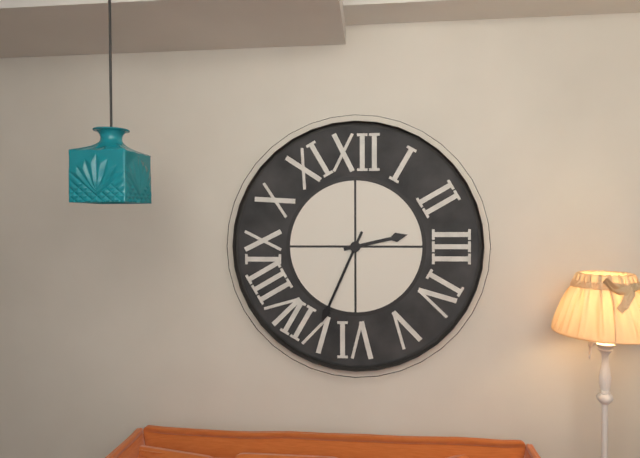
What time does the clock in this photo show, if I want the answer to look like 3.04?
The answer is 2.34
